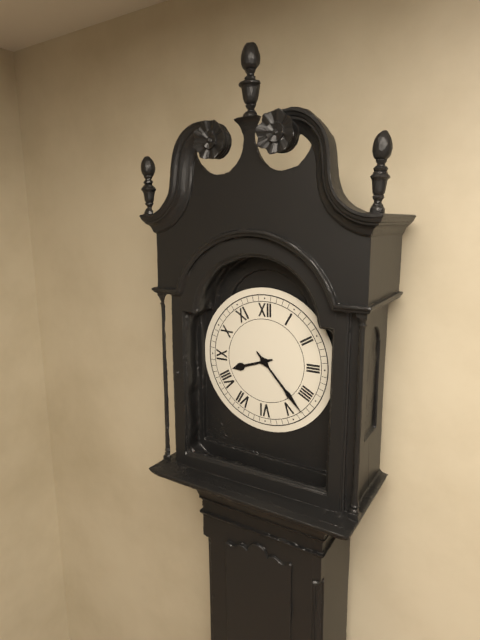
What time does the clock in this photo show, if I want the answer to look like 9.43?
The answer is 8.23
